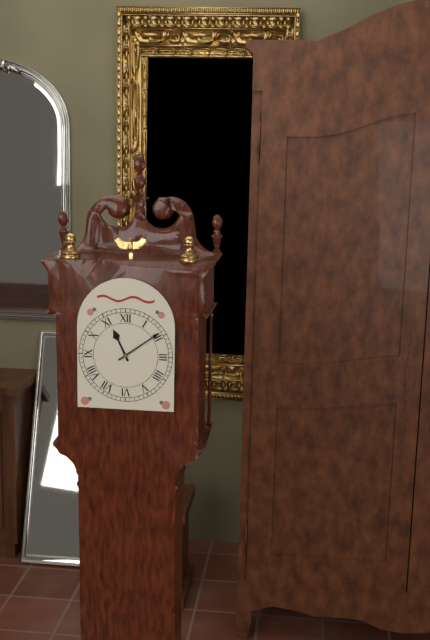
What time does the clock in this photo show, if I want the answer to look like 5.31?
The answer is 11.09
